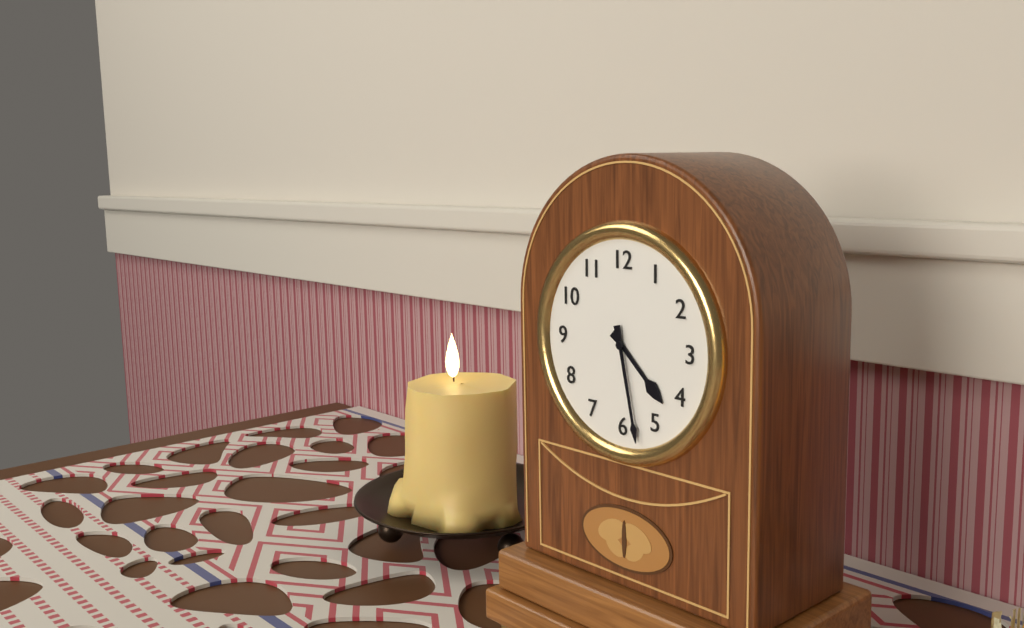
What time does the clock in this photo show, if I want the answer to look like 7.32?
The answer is 4.28
